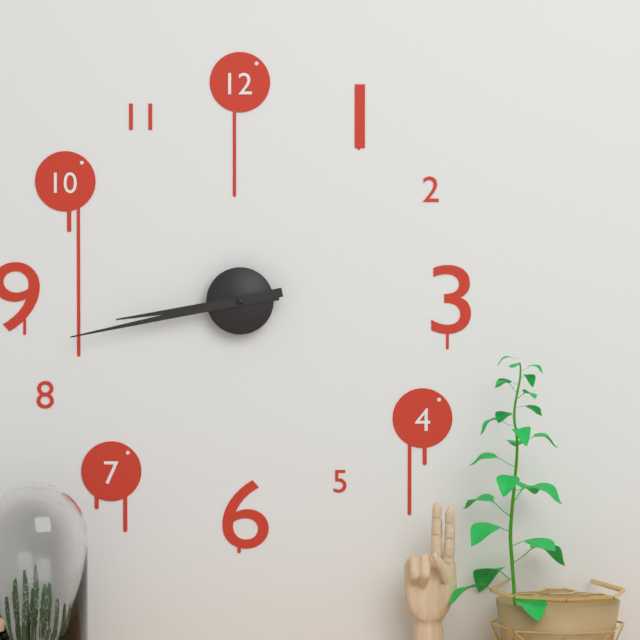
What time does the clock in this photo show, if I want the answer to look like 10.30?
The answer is 8.43
